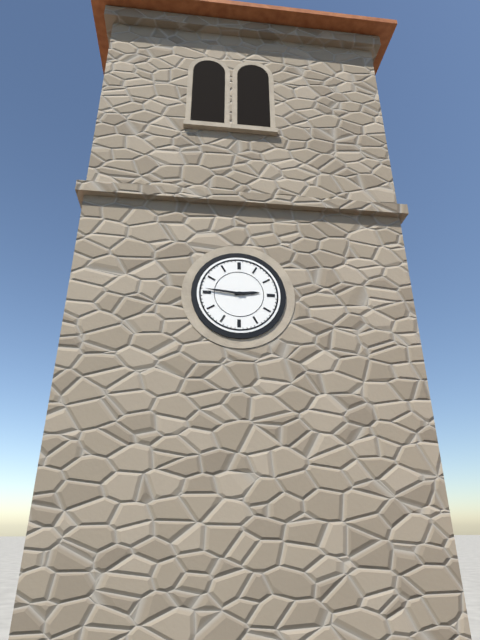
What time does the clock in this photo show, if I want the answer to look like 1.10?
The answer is 2.46
